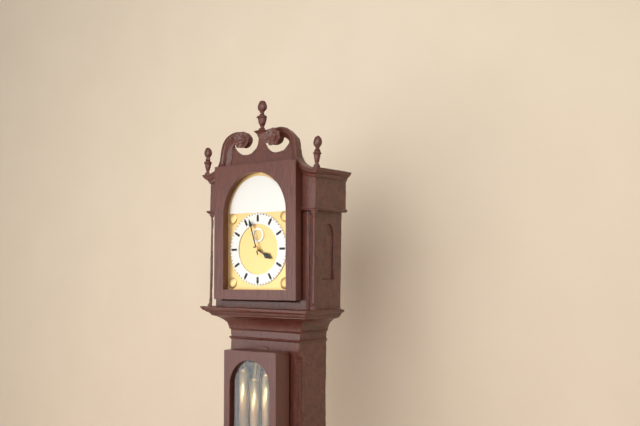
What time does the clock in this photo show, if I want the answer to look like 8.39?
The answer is 3.57
